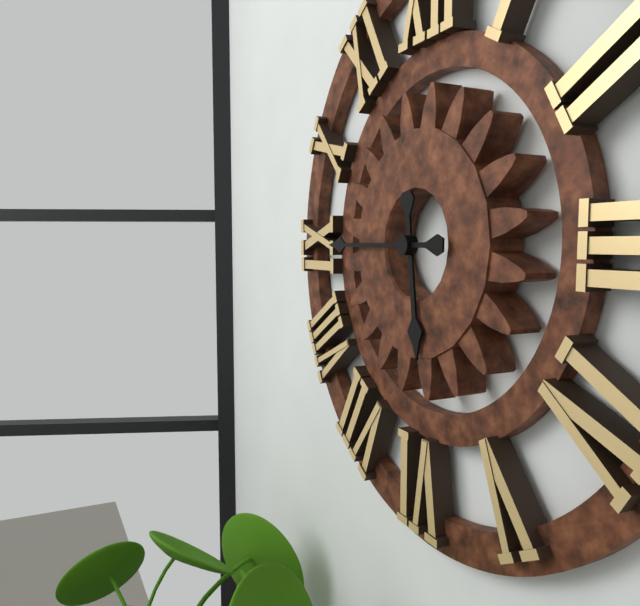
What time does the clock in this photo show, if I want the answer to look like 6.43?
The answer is 5.45
